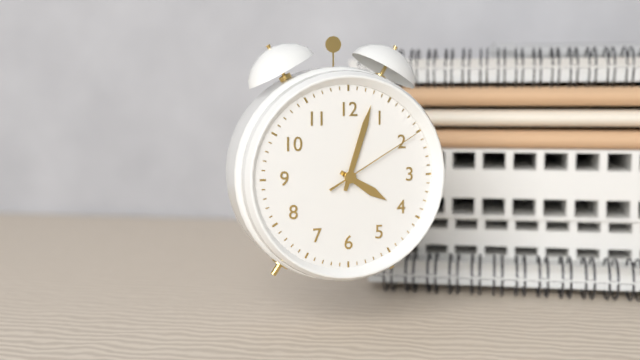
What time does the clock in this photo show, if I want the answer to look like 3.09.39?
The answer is 4.03.10
